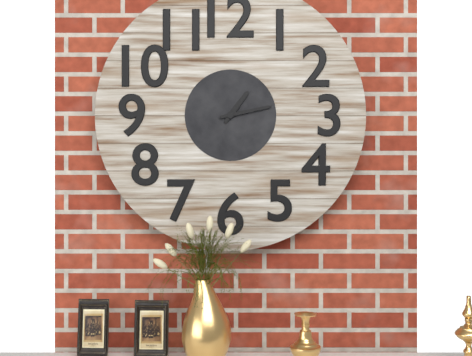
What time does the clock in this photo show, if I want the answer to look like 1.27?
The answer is 1.13
